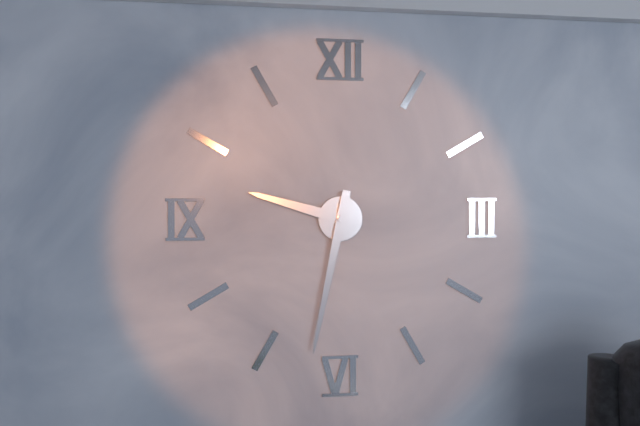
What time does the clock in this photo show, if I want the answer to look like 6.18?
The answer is 9.32
